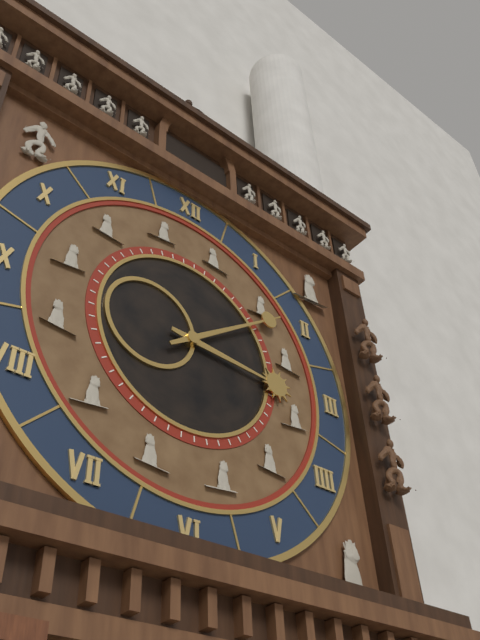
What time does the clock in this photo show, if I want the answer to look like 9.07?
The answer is 3.09
